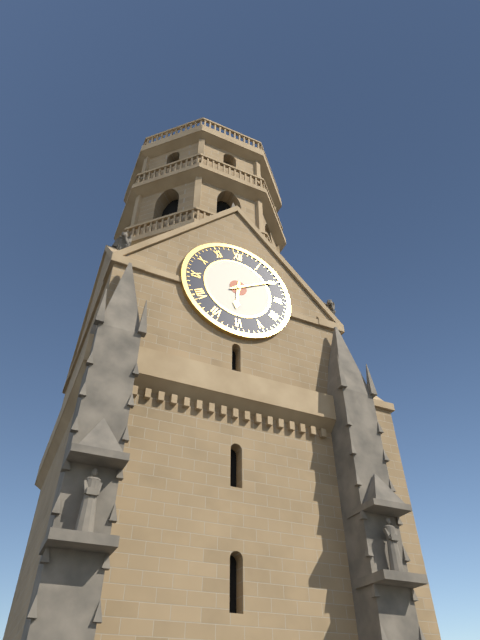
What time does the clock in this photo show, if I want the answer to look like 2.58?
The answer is 6.10
